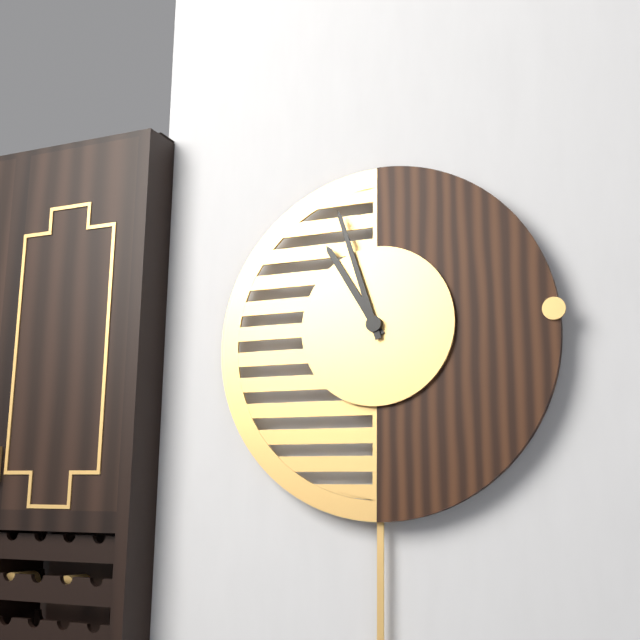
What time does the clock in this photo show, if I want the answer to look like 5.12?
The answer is 10.57
